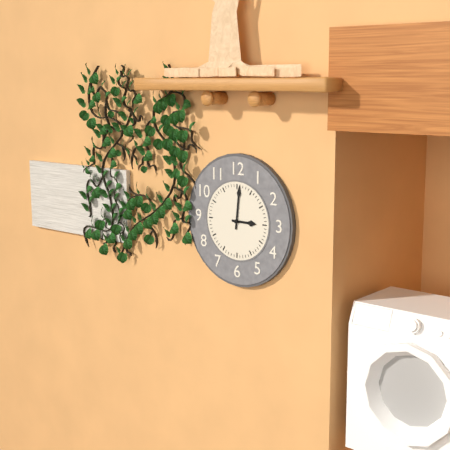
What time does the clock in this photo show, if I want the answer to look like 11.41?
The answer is 3.01
